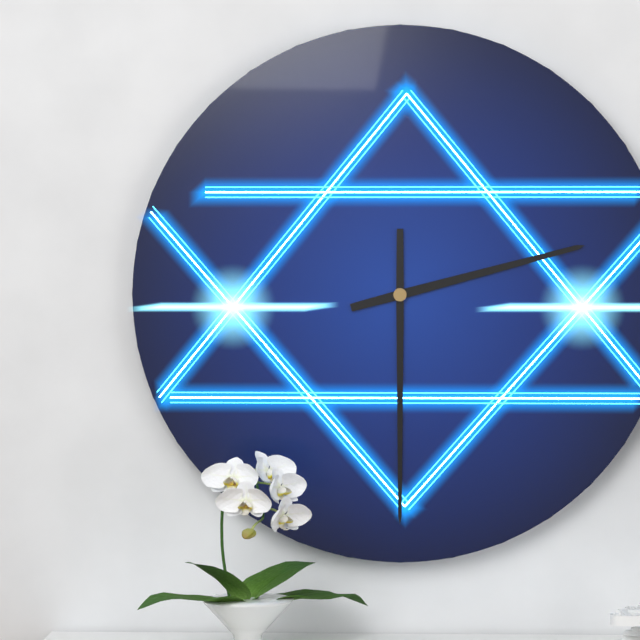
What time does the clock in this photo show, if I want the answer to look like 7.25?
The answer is 2.30
